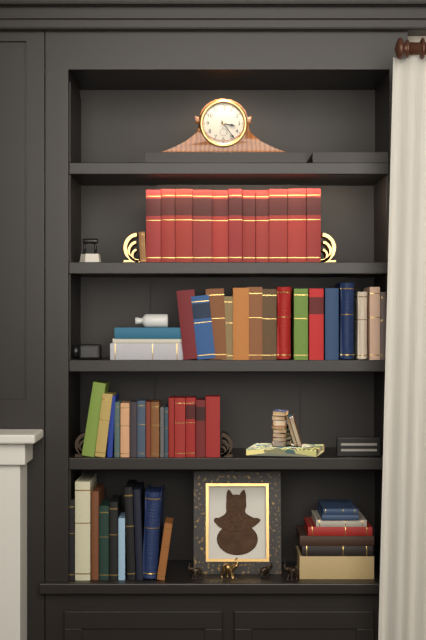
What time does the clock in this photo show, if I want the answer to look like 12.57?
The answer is 3.24
